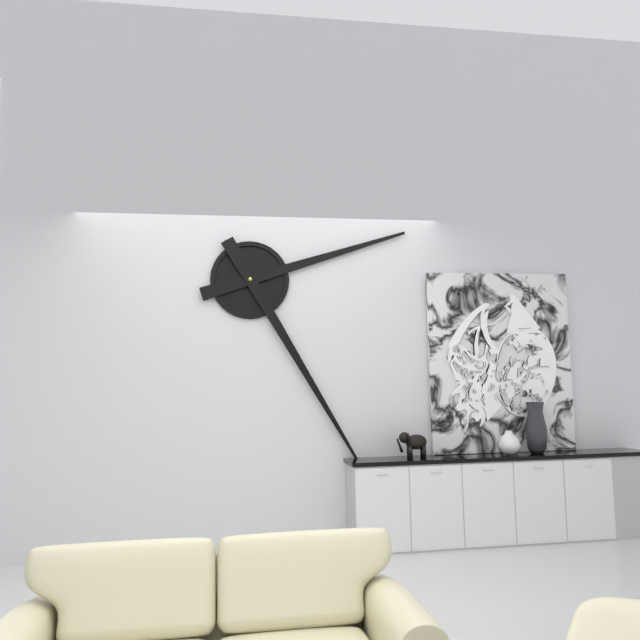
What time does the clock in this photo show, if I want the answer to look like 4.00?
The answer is 2.25
